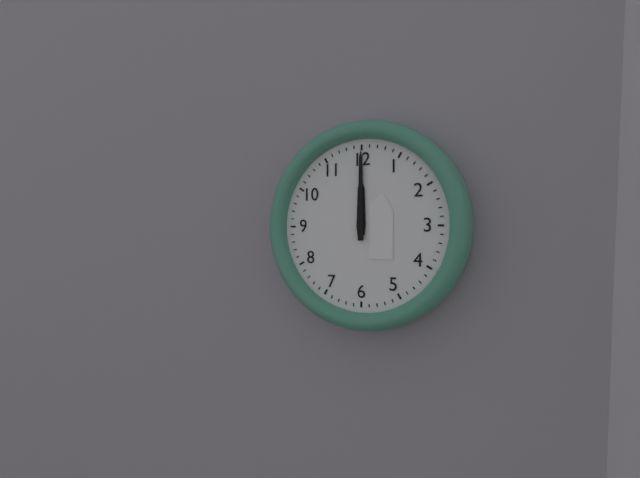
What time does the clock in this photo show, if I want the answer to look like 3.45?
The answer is 12.00
